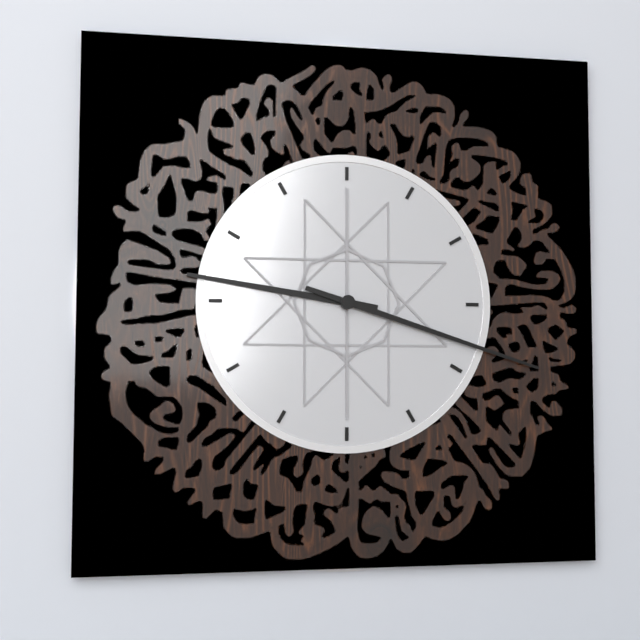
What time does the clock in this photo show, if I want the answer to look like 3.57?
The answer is 9.18
